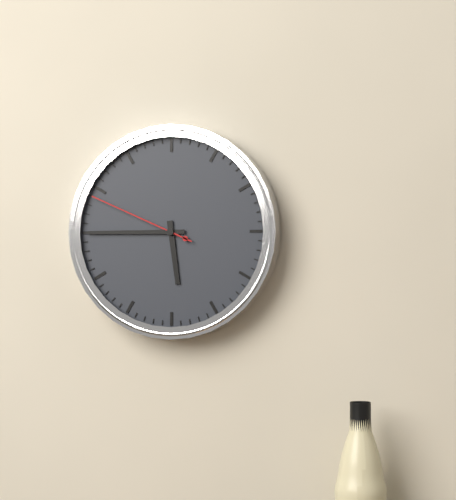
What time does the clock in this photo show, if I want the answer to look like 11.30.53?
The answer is 5.45.49
